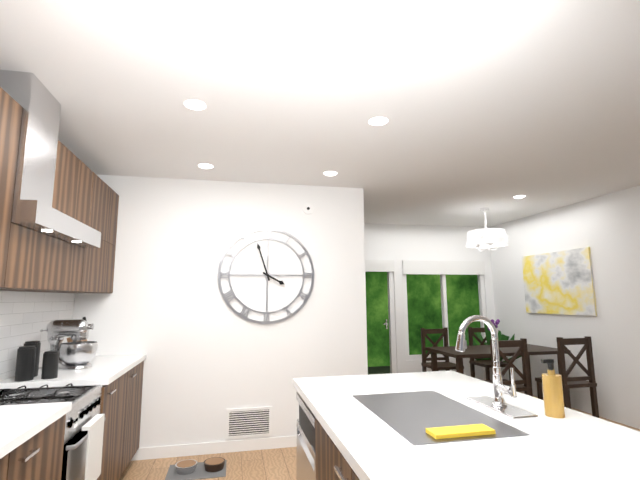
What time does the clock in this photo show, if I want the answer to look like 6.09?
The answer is 3.57
